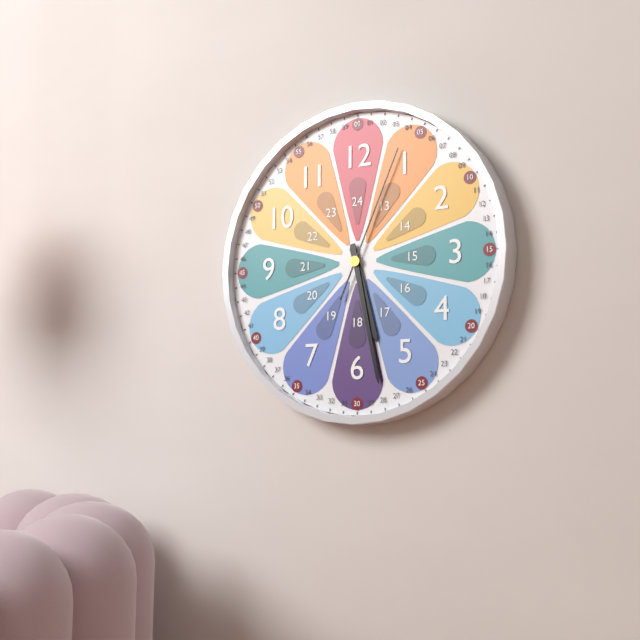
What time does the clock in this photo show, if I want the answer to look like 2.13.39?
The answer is 5.28.04
